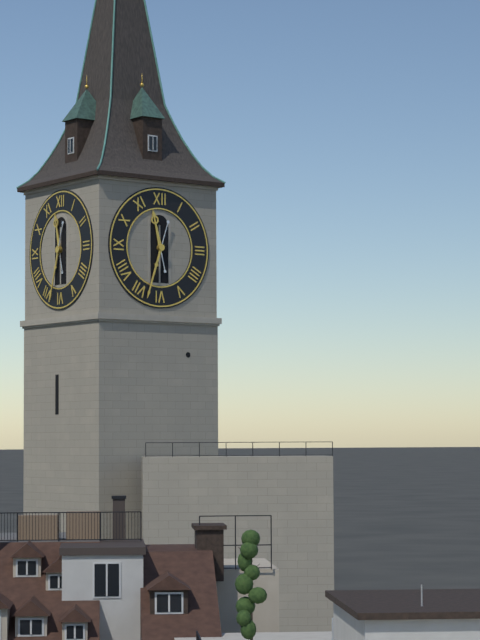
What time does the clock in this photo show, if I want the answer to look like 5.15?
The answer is 11.33
